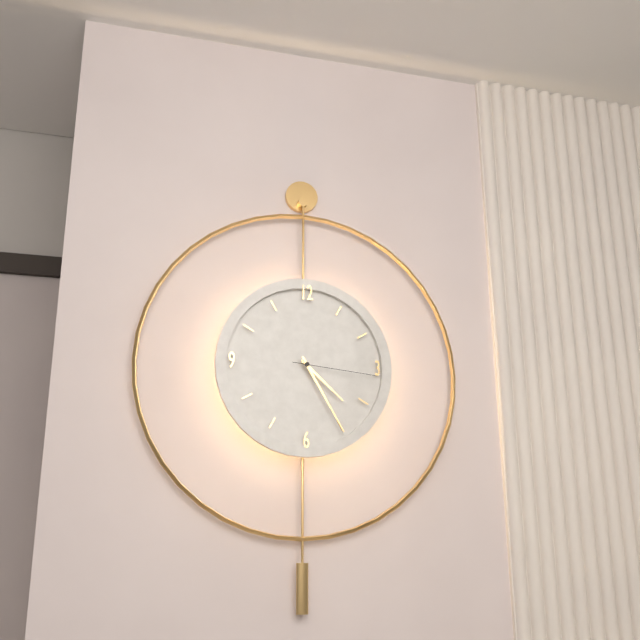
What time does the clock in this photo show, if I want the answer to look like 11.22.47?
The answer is 4.25.16
